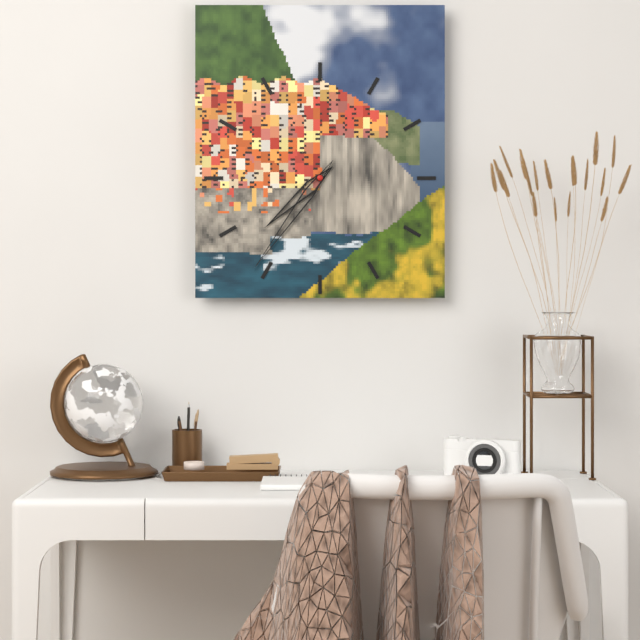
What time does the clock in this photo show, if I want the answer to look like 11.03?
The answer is 7.36
